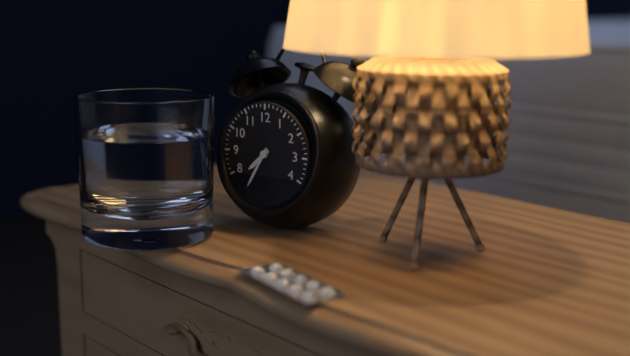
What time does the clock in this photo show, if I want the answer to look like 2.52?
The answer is 7.35
